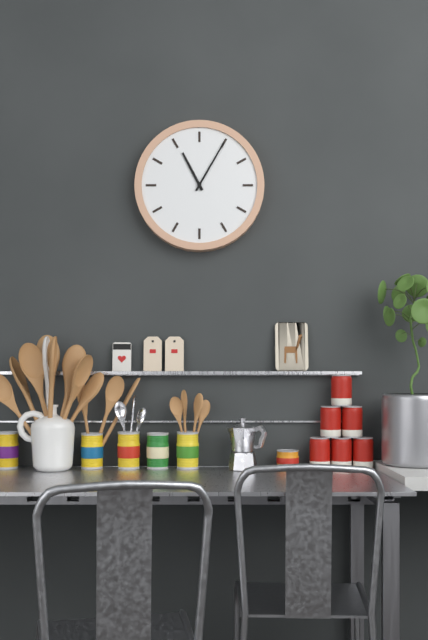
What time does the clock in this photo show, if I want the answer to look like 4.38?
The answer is 11.05
